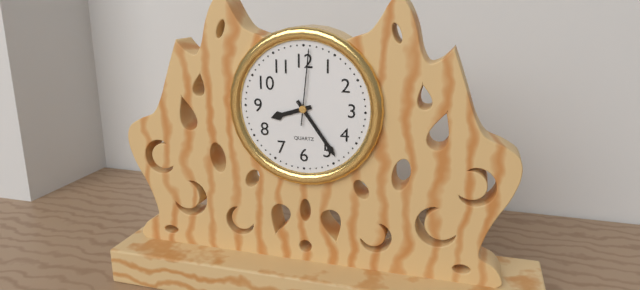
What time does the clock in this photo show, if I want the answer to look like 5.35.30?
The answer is 8.24.01
